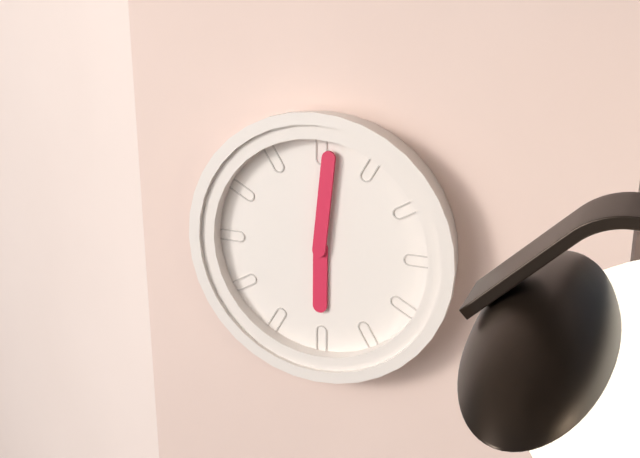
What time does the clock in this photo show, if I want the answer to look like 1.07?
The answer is 6.01
